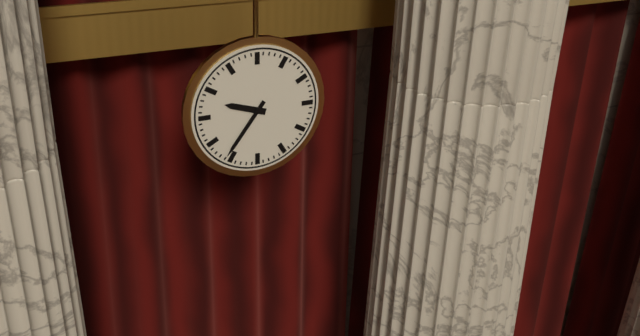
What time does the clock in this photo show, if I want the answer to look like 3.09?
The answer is 9.36
